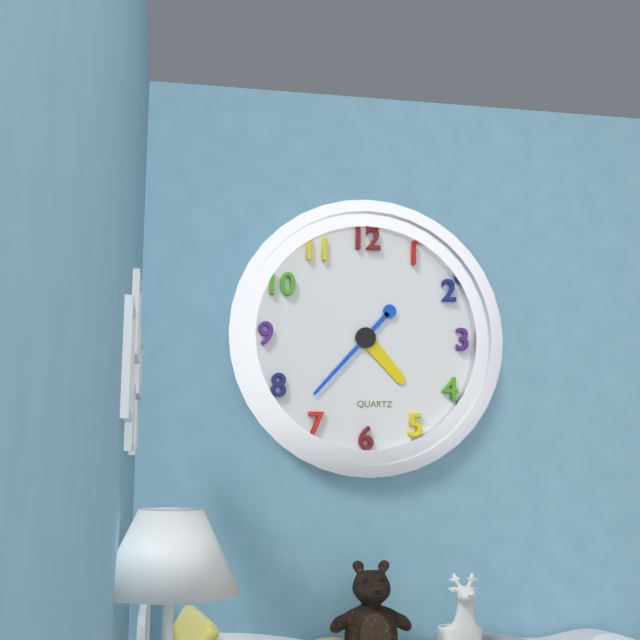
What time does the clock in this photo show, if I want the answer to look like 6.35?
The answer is 4.37
